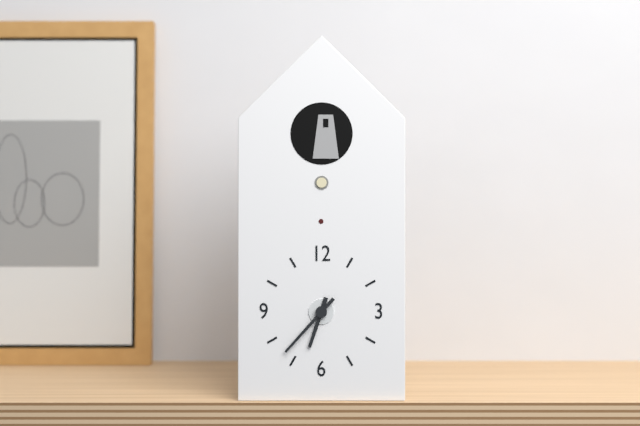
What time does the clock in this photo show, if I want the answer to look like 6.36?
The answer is 6.37
